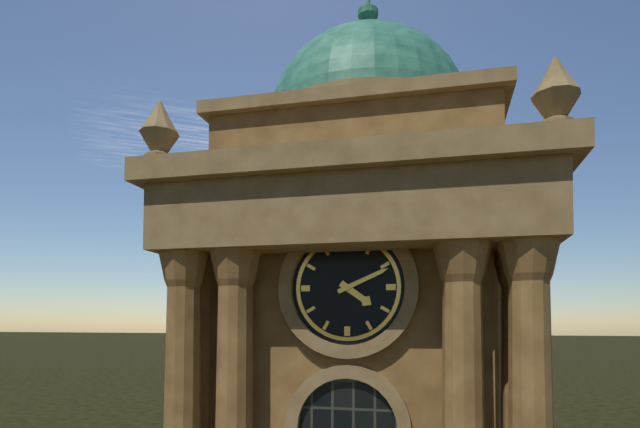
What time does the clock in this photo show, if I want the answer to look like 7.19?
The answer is 4.11
